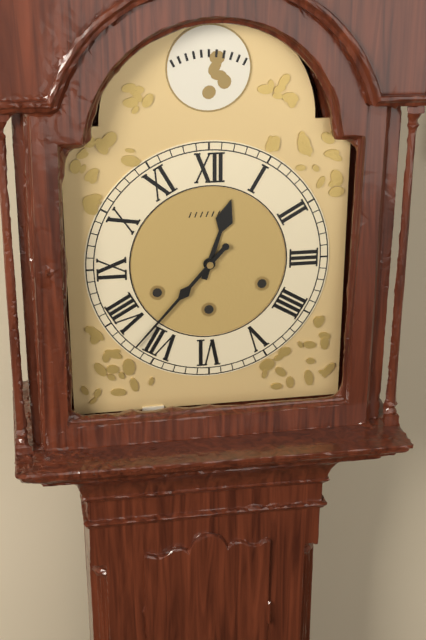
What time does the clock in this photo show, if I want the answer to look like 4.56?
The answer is 12.37
